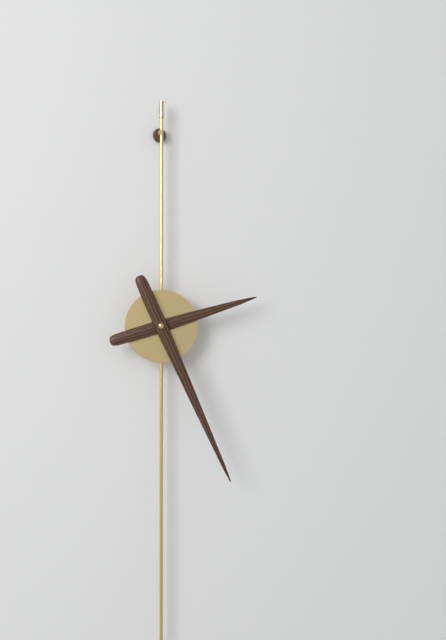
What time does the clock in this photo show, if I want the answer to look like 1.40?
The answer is 2.26
